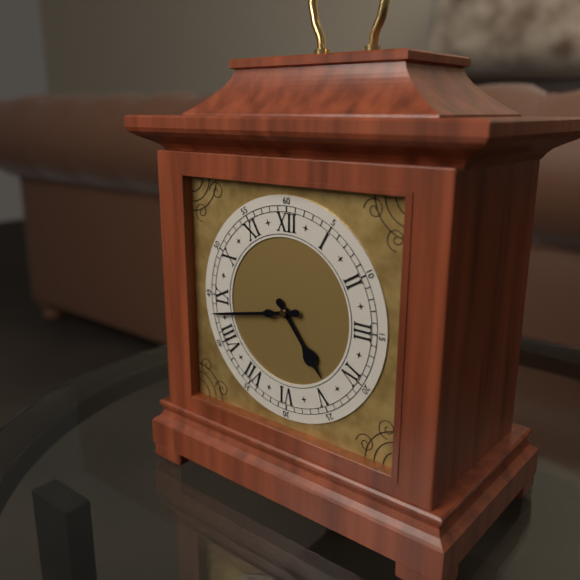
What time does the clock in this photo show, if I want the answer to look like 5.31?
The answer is 4.43
